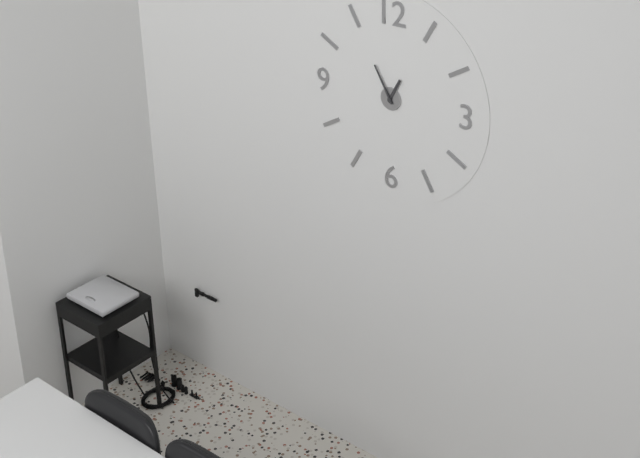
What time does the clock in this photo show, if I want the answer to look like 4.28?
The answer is 12.55
